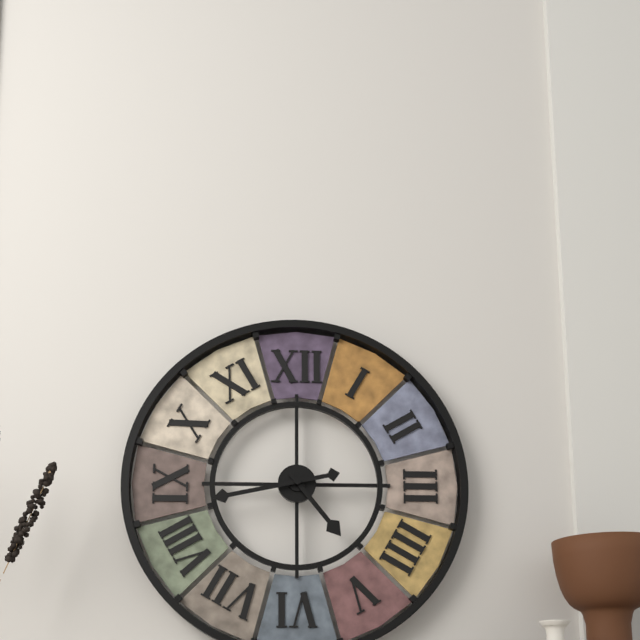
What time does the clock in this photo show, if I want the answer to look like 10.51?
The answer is 4.43
